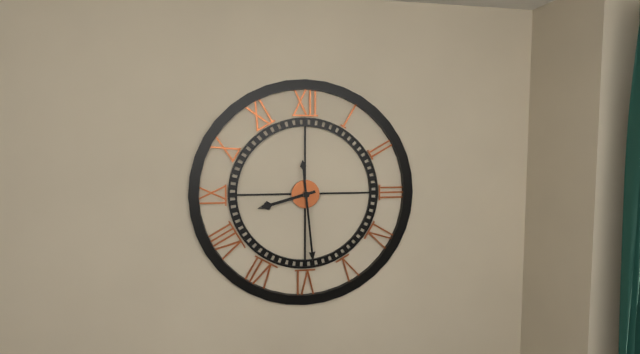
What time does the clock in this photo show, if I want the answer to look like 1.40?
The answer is 8.29
